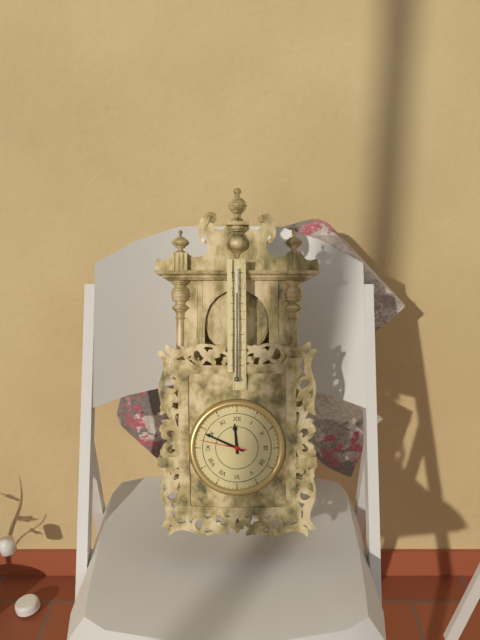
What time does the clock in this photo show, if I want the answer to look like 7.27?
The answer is 11.49
